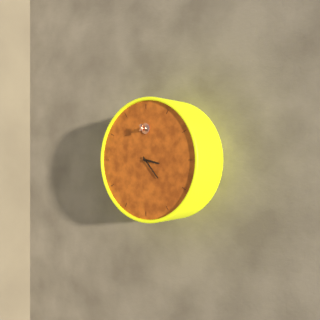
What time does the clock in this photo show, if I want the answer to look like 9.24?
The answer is 3.23
